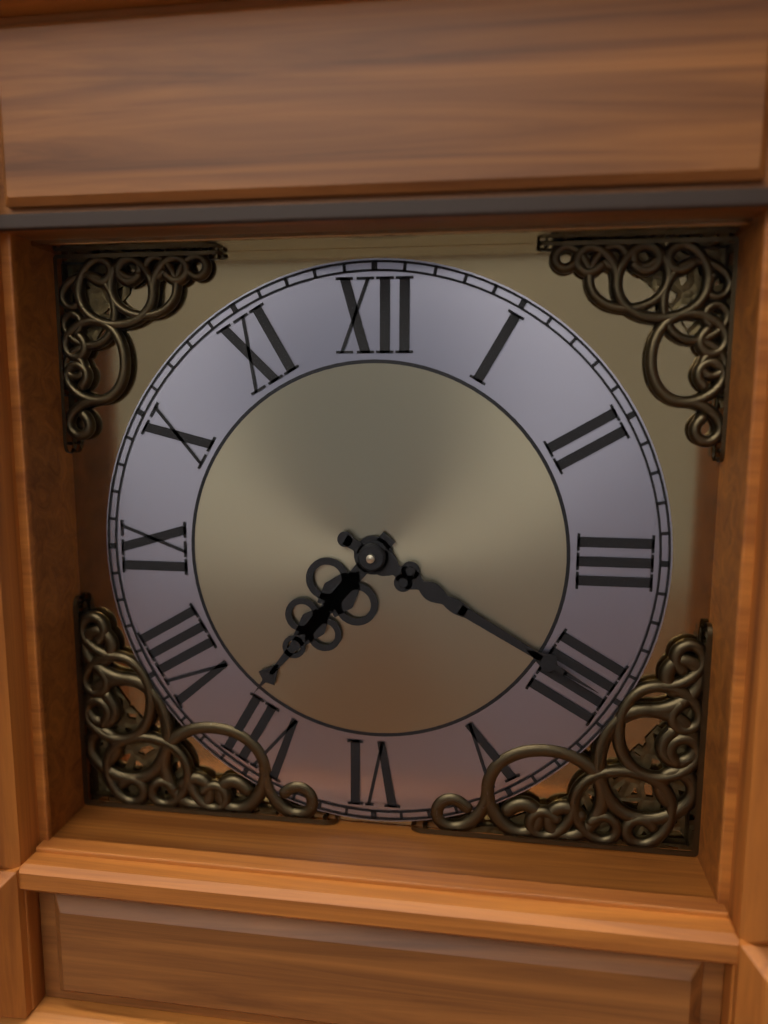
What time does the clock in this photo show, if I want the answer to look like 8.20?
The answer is 7.20
